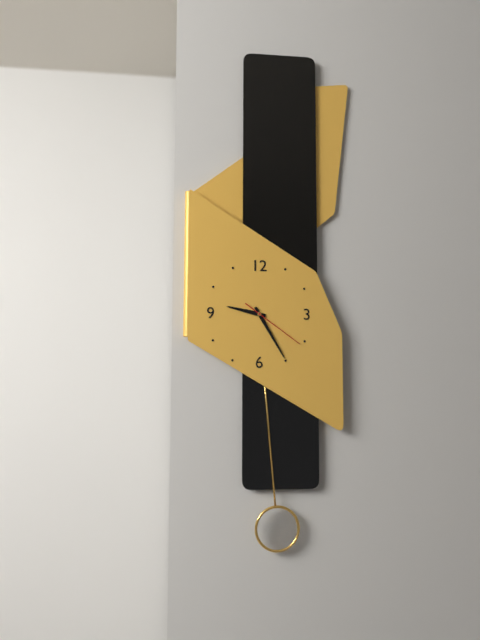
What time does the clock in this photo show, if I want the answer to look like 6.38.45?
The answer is 9.25.21
